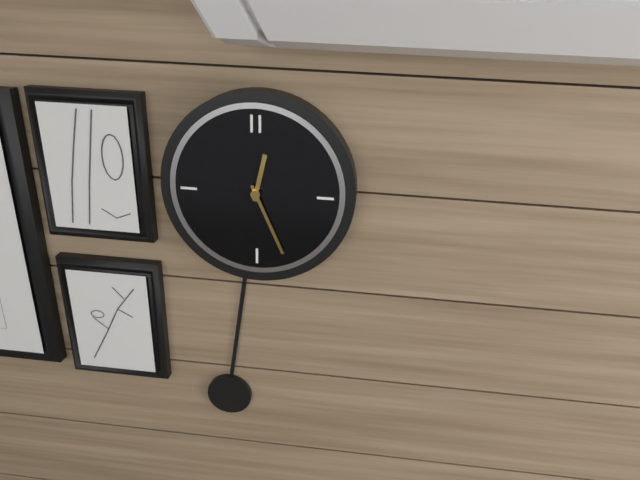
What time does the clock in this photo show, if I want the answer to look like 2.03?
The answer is 12.26
